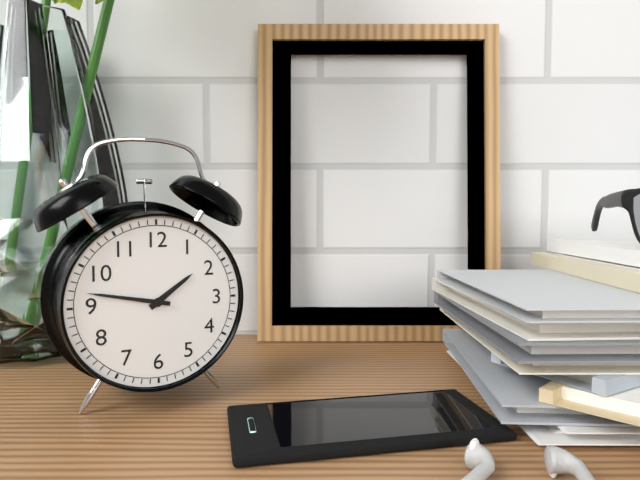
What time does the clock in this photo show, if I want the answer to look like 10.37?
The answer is 1.47
